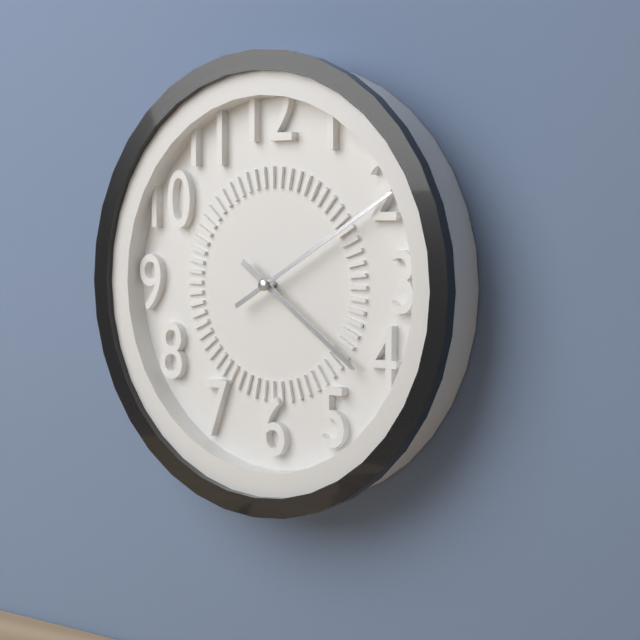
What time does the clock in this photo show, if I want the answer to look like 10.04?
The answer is 4.10
